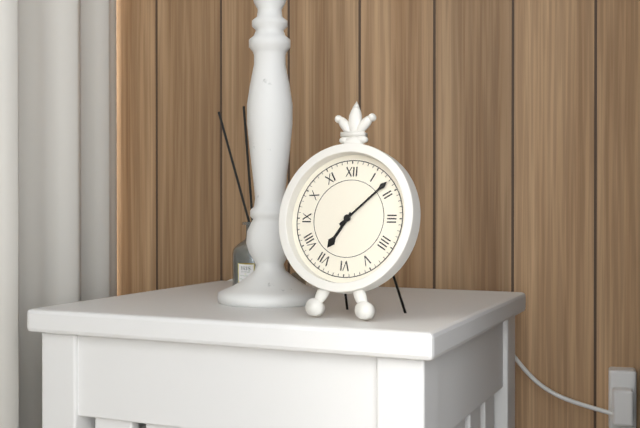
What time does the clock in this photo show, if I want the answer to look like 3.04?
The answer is 7.08
